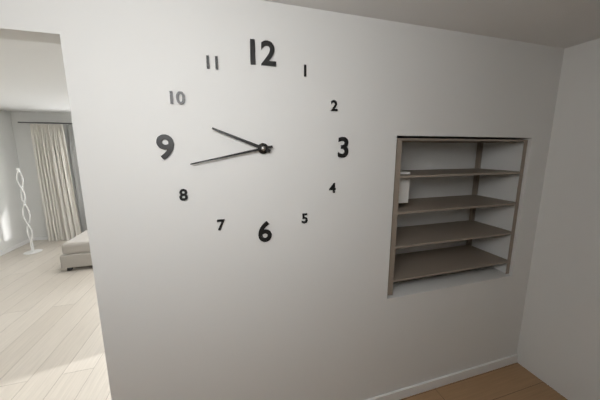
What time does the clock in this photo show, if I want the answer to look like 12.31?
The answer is 9.43
